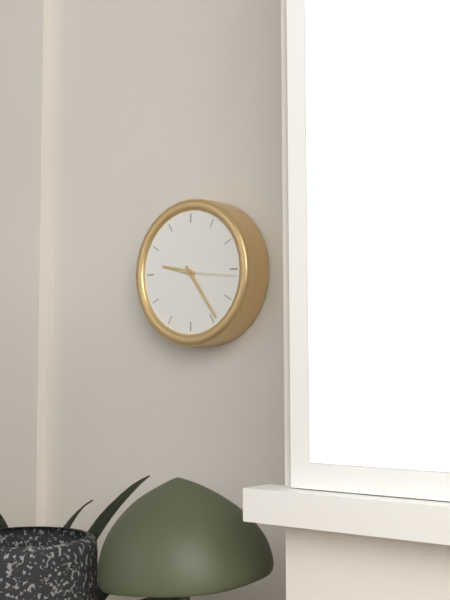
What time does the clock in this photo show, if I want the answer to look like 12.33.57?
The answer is 9.24.16
